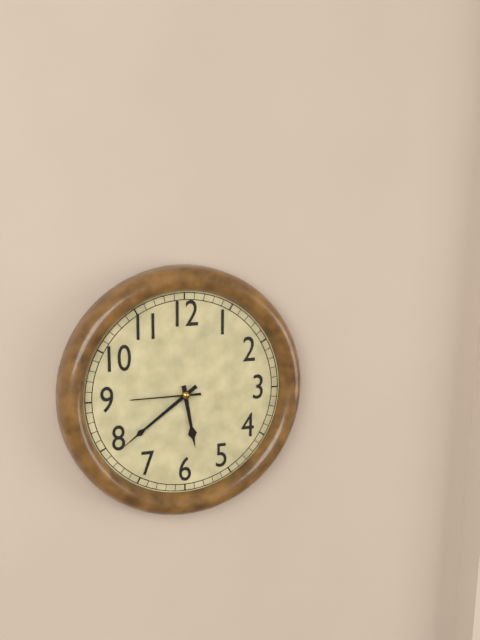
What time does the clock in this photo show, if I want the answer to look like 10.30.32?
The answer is 5.39.45
